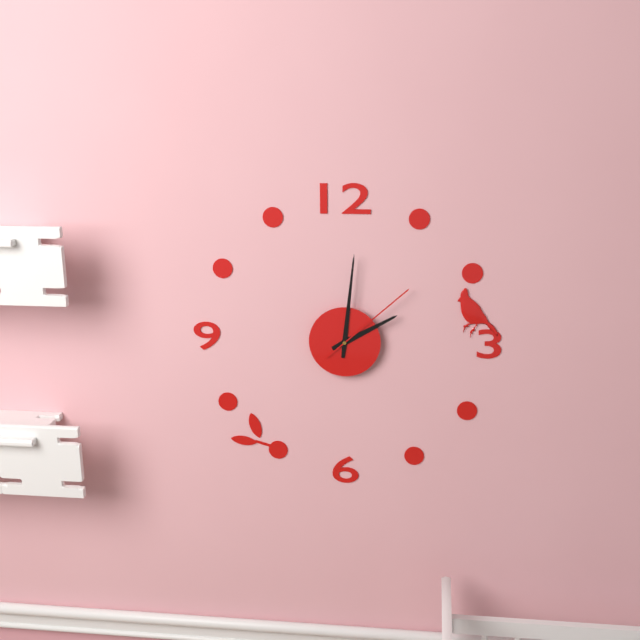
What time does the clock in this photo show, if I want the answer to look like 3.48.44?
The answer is 2.01.08
